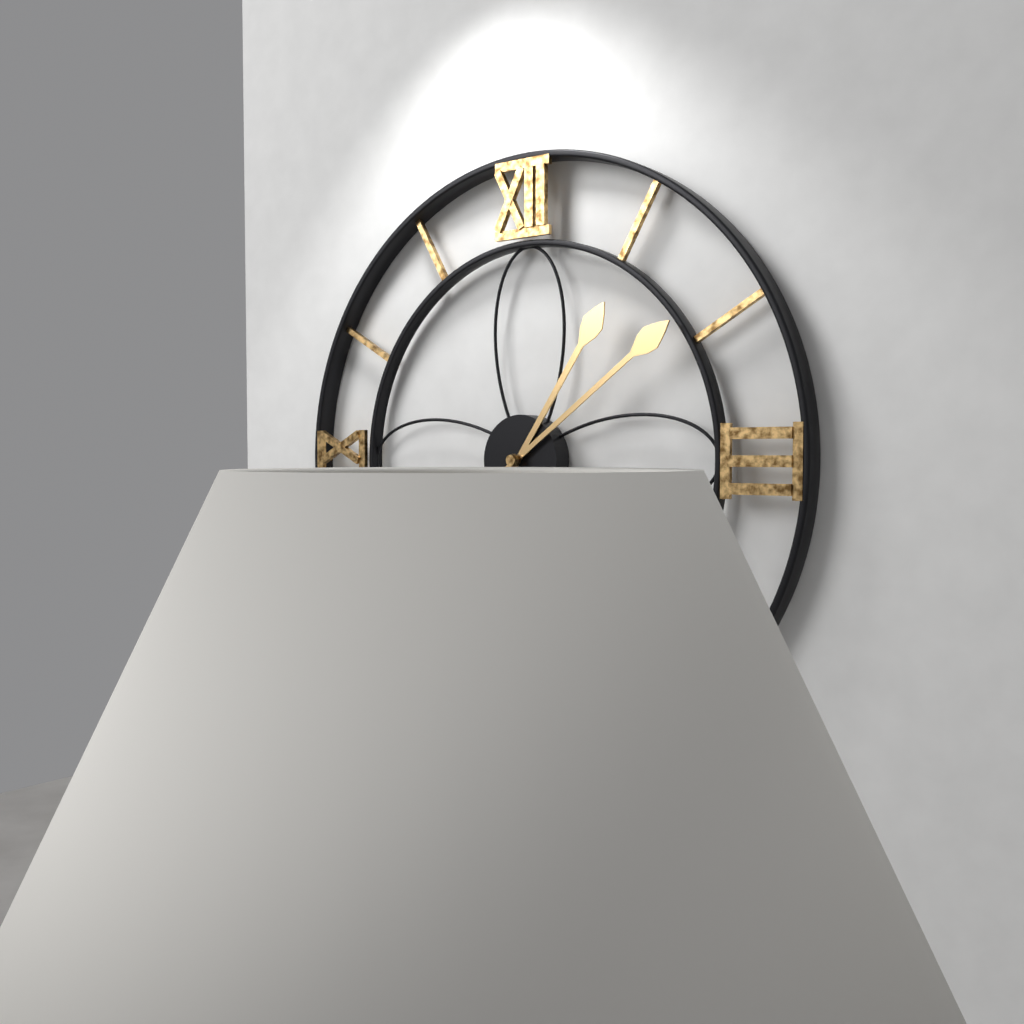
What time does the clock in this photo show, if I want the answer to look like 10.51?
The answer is 1.09
